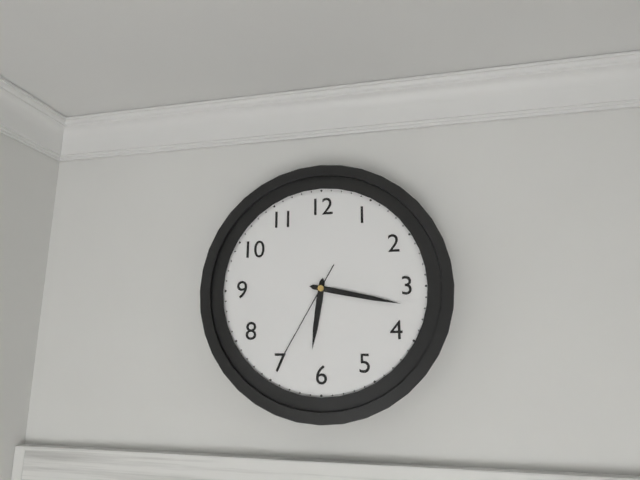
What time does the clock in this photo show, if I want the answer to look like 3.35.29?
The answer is 6.17.35
